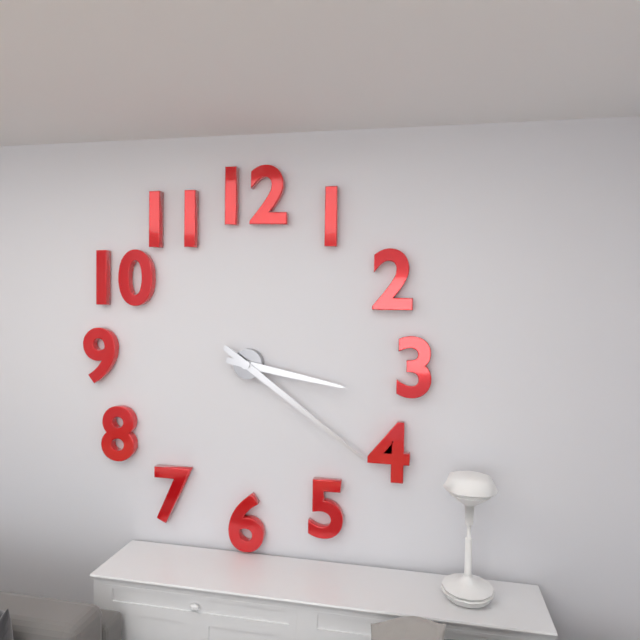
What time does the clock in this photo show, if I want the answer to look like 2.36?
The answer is 3.21
